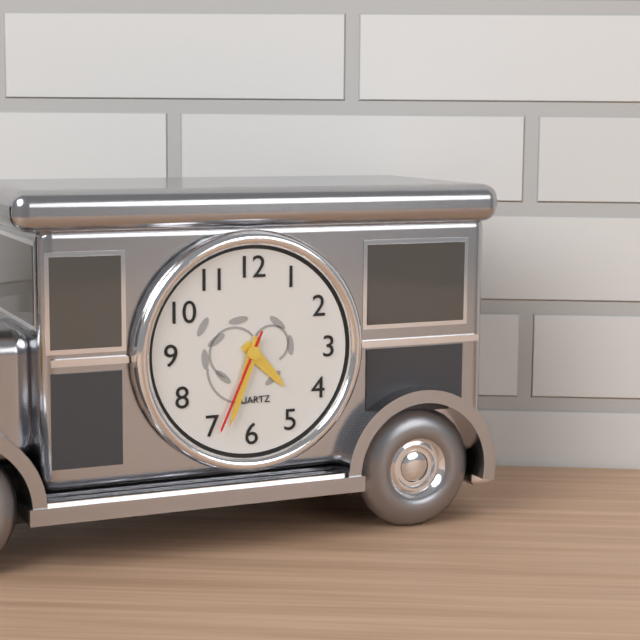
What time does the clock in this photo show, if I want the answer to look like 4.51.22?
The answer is 4.33.34
